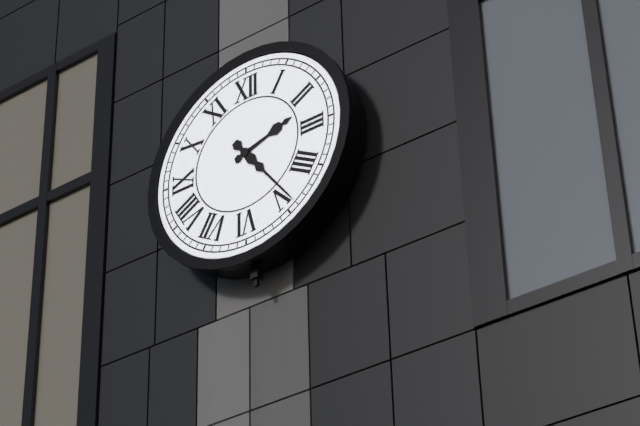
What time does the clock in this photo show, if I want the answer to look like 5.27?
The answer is 2.24
